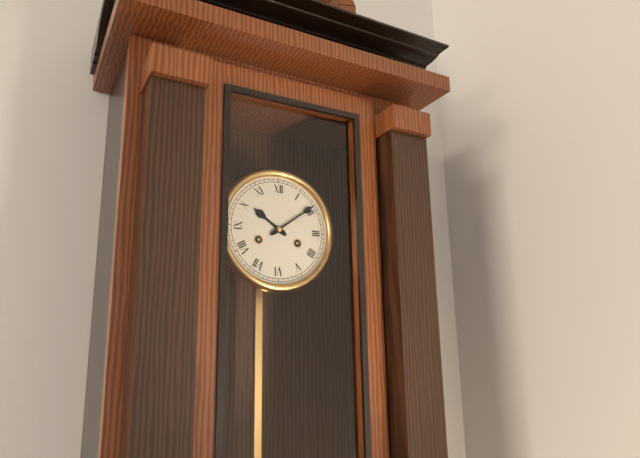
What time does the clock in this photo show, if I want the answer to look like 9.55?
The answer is 10.09
